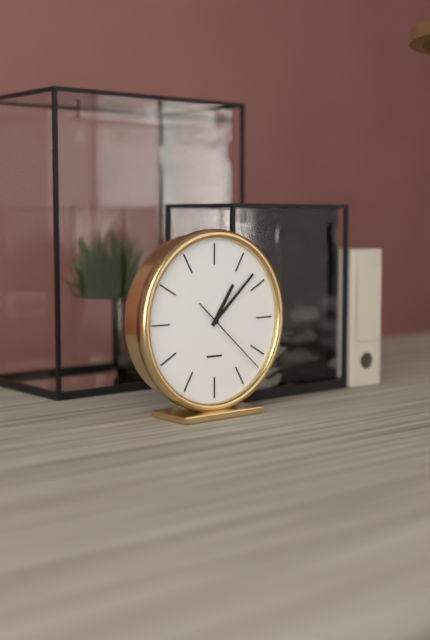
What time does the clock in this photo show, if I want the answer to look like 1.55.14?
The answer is 1.08.22
